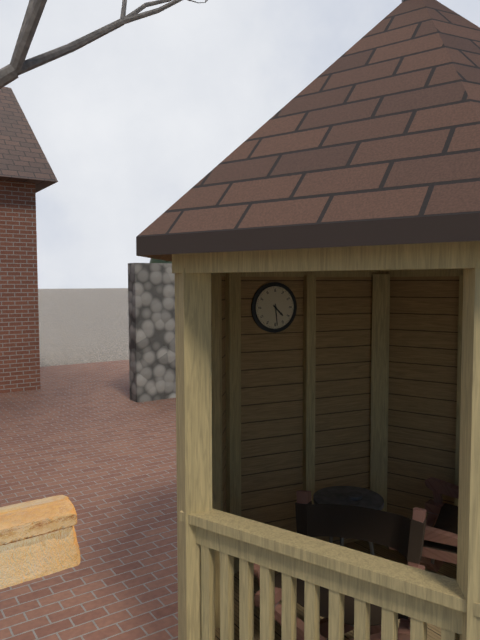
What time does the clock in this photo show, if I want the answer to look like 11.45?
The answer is 4.29
